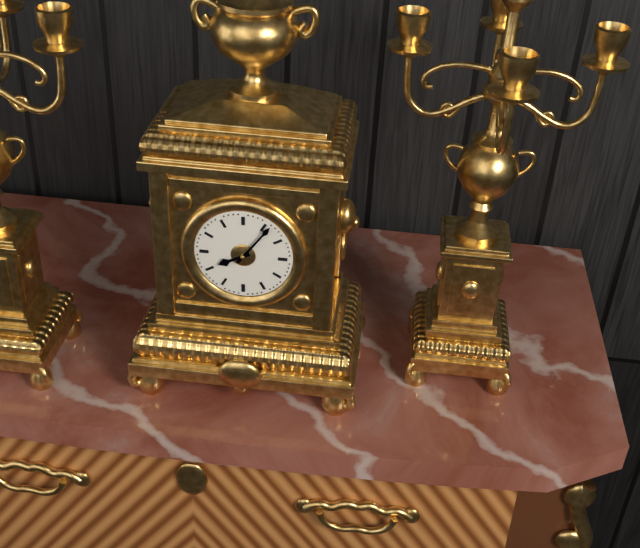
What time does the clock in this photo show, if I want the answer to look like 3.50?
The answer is 8.06
